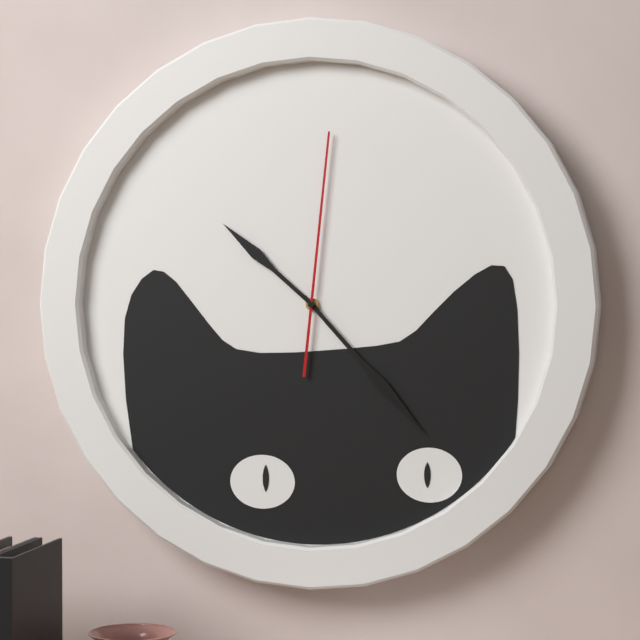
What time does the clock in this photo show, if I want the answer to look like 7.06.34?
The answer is 10.23.01
